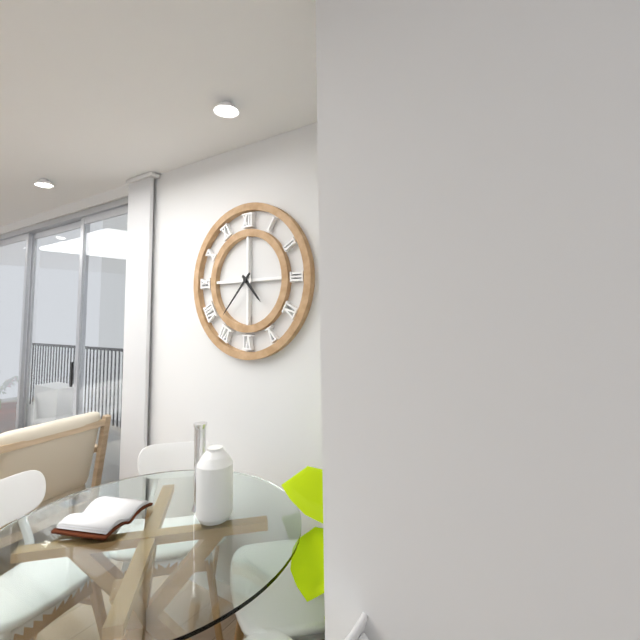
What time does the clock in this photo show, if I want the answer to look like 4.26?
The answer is 4.37
